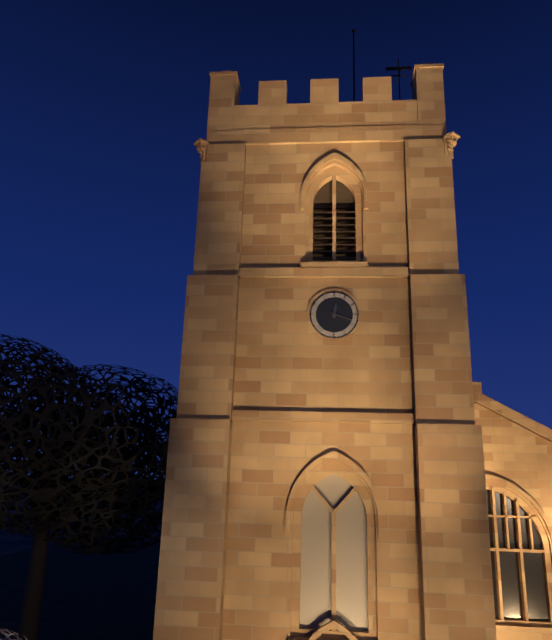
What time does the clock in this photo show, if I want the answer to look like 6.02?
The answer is 12.18
